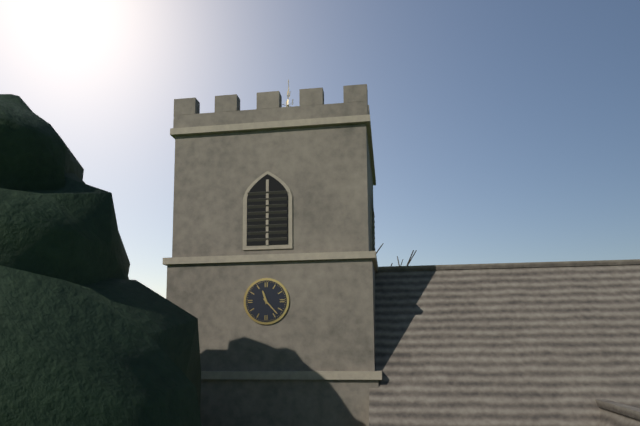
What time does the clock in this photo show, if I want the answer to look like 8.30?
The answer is 11.23
